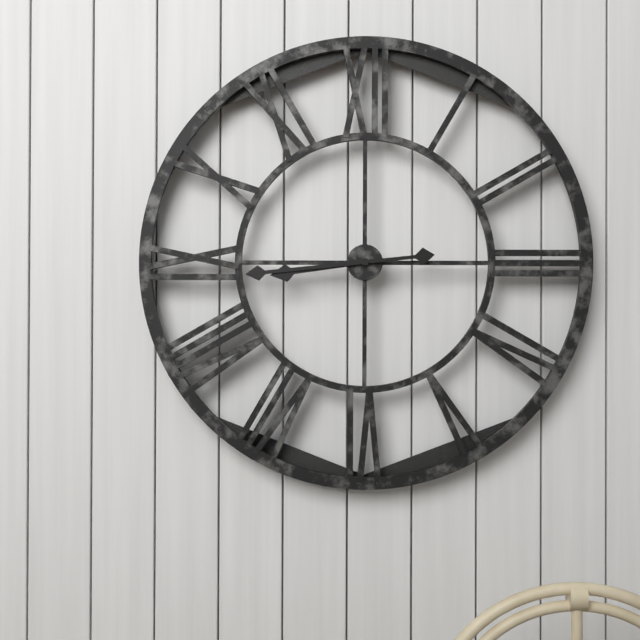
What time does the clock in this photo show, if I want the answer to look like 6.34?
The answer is 8.44
